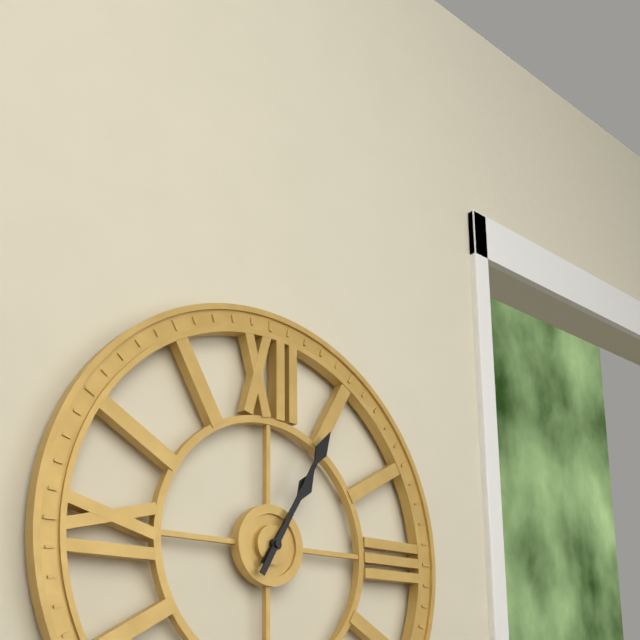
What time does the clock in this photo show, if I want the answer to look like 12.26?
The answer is 1.05
